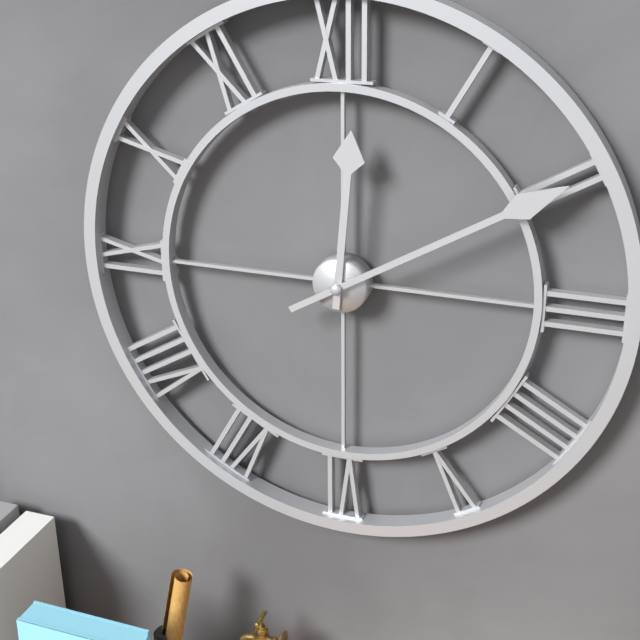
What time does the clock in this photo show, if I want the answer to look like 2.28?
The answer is 12.10
